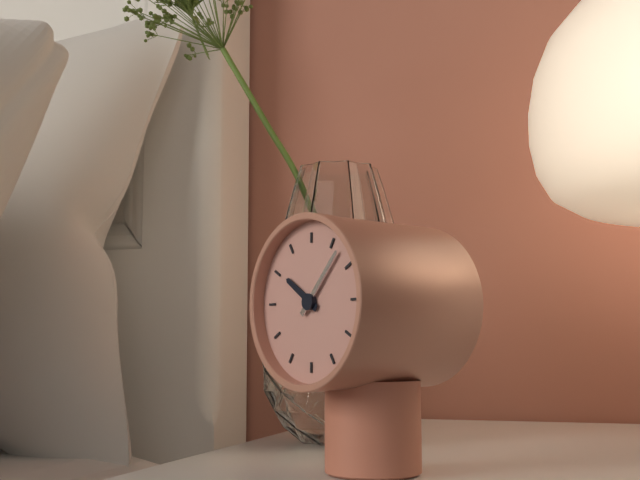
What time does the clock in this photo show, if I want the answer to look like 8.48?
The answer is 10.07
